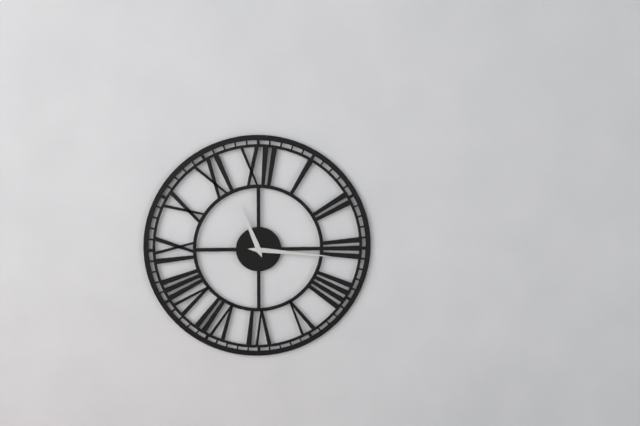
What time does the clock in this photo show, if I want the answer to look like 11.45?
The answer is 11.16
